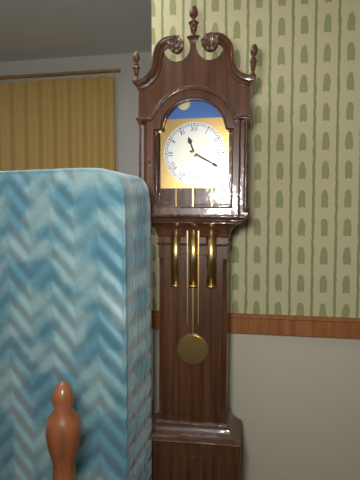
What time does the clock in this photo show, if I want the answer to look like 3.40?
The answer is 11.20
